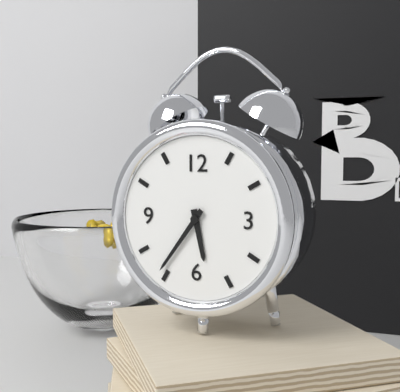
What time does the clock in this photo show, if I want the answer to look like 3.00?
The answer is 5.36
